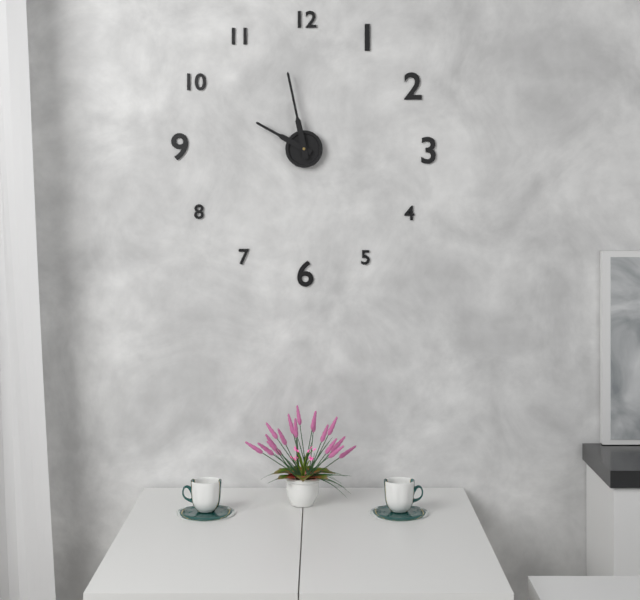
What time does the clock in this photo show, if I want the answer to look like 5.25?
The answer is 9.58
